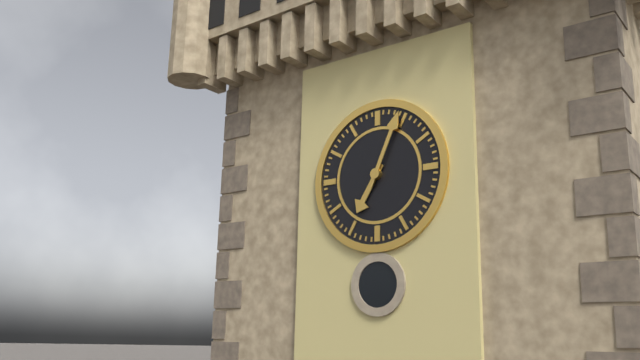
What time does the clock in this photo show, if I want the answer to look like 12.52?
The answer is 7.04
